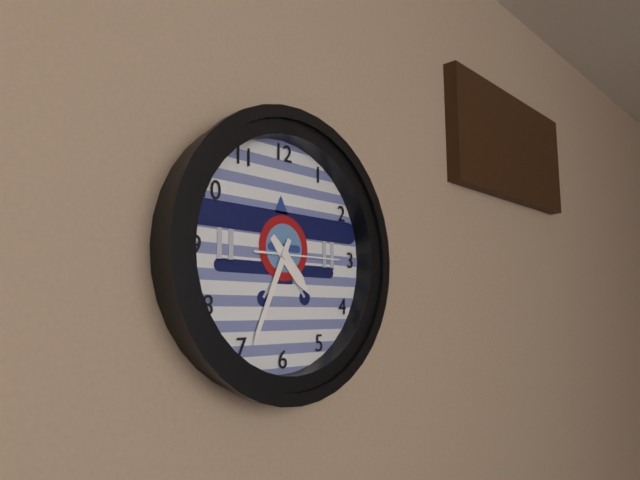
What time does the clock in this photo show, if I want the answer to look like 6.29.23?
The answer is 4.34.15
